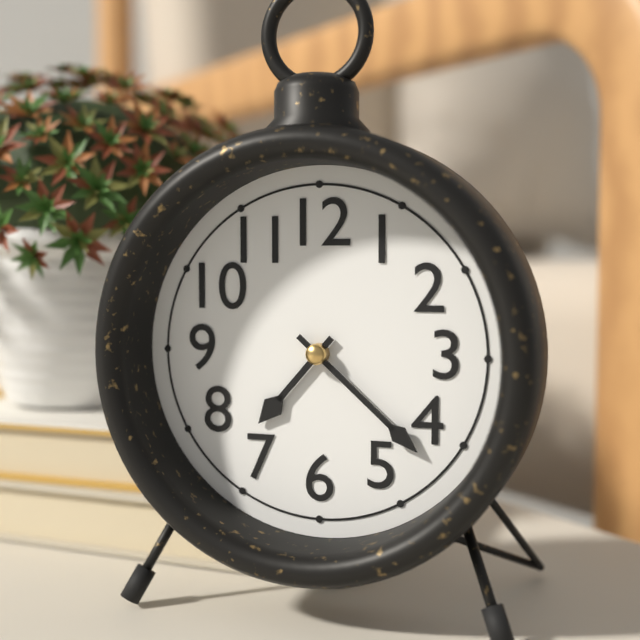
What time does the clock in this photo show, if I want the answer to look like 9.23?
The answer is 7.22
